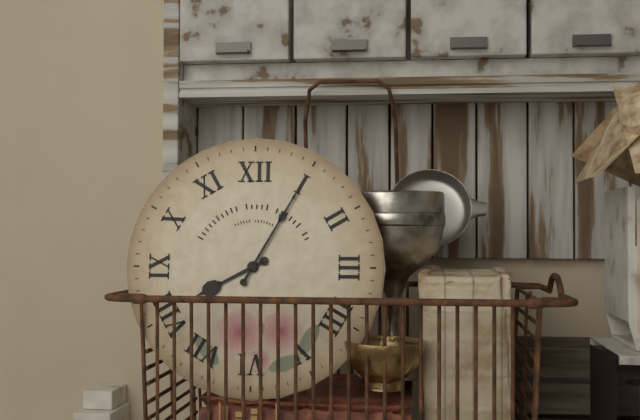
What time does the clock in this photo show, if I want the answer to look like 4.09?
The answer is 8.05
